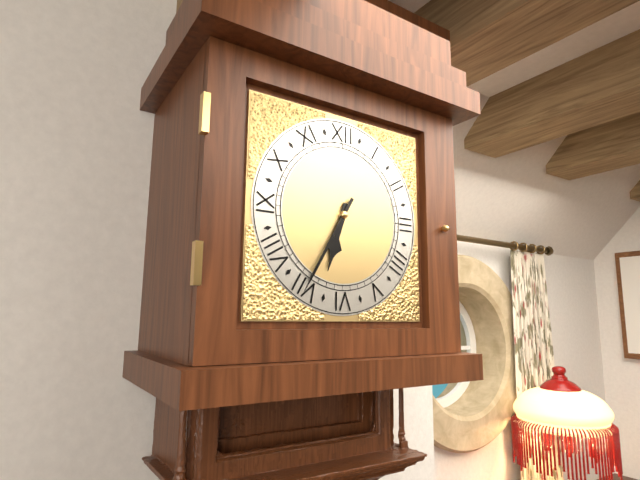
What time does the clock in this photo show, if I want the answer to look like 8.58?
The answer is 6.35
